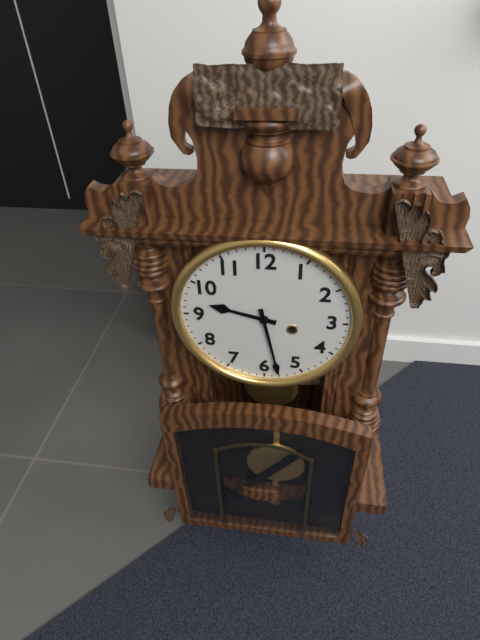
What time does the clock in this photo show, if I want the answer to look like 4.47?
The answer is 9.28
